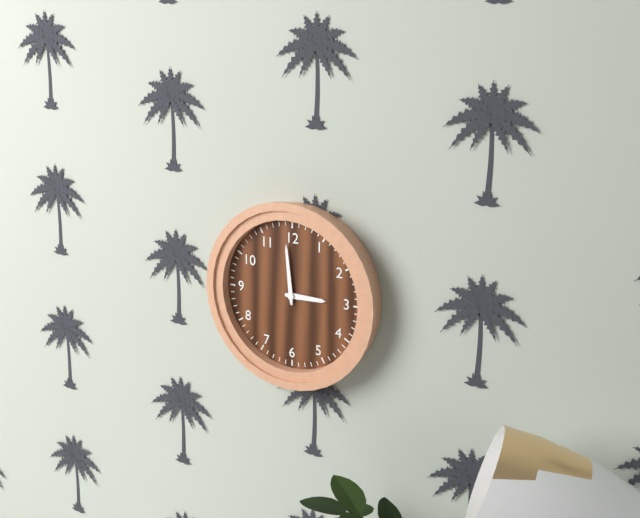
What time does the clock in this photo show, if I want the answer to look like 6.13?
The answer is 2.59
